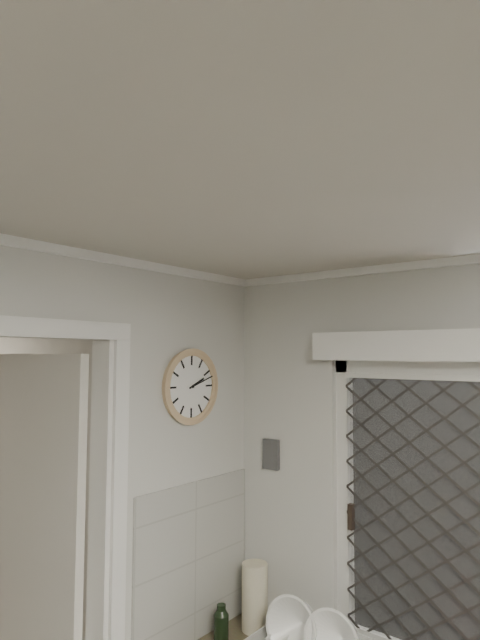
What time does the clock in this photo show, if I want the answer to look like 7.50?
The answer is 2.12
